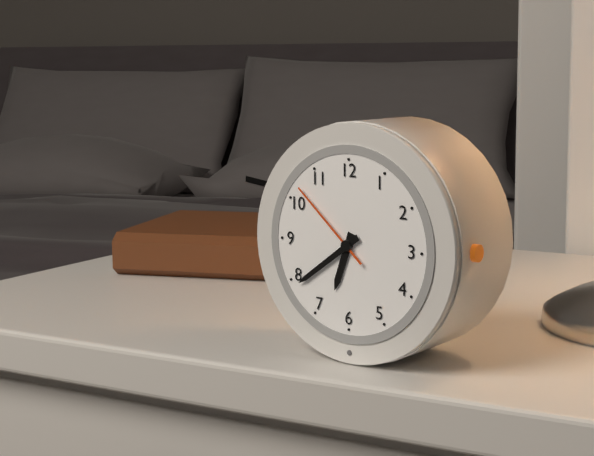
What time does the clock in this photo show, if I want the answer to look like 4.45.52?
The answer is 6.39.52
